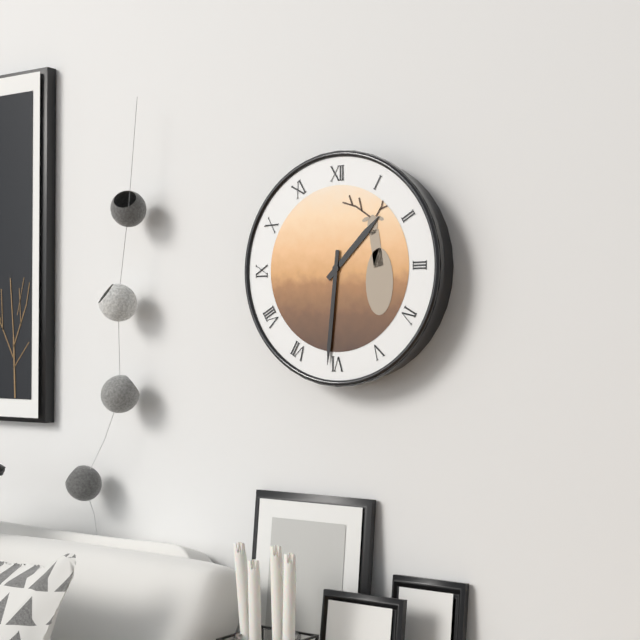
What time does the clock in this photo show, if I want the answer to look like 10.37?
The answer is 1.31
